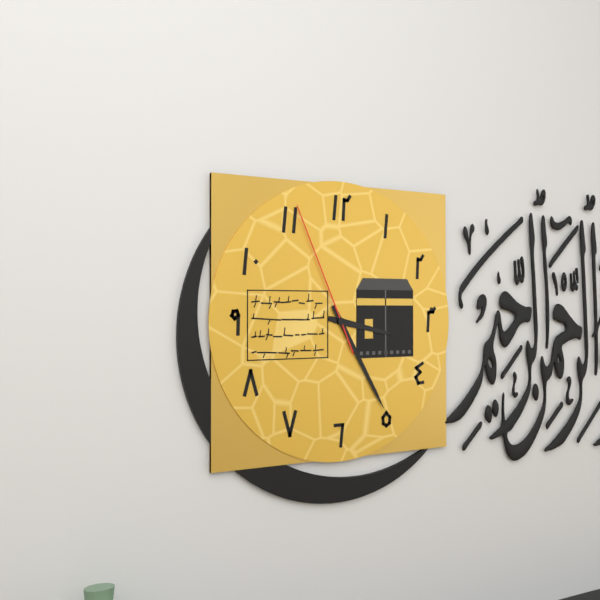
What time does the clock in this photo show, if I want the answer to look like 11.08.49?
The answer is 3.25.56
